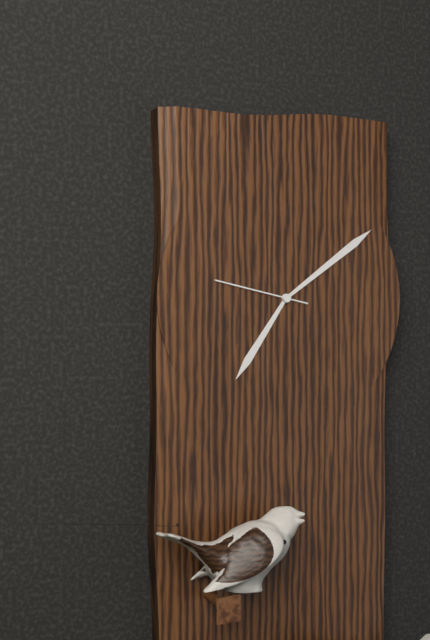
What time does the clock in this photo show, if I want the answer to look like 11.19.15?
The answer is 7.09.47
